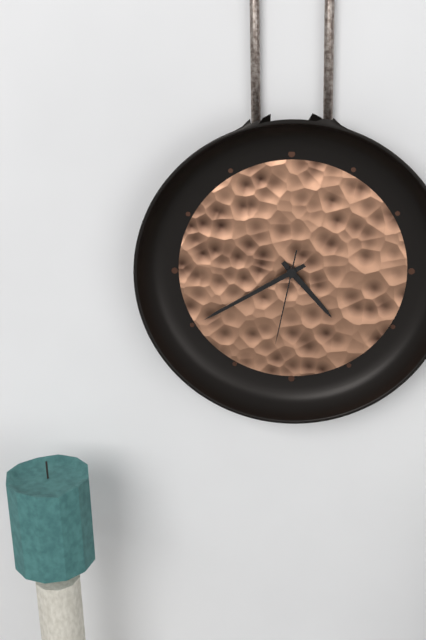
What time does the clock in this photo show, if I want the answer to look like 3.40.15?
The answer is 4.40.32
